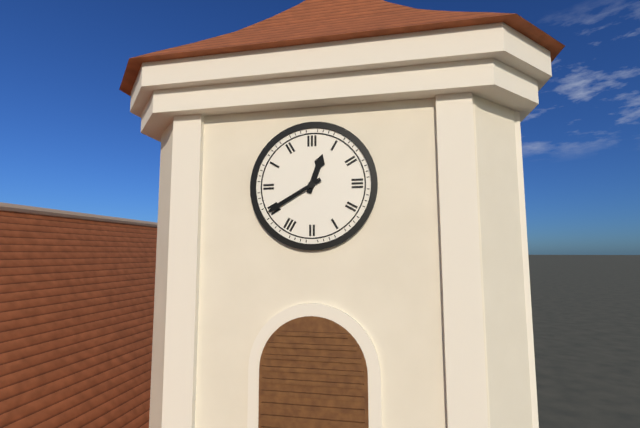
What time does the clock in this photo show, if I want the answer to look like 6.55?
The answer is 12.40
